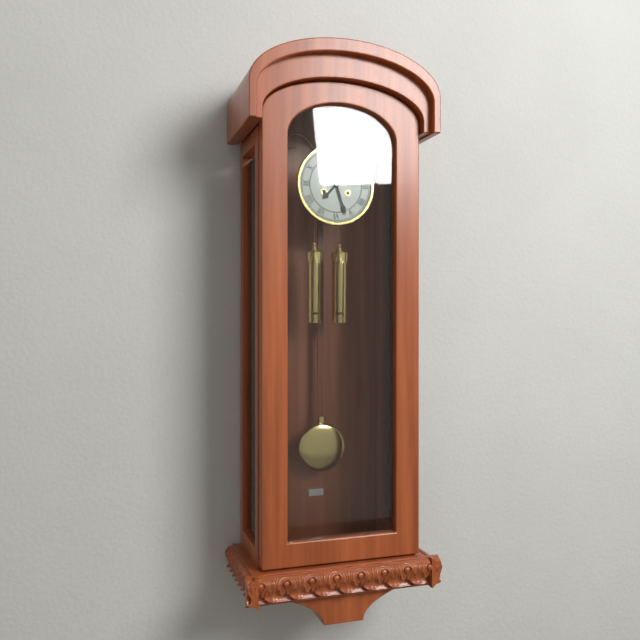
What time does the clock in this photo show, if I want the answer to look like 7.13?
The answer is 7.27
